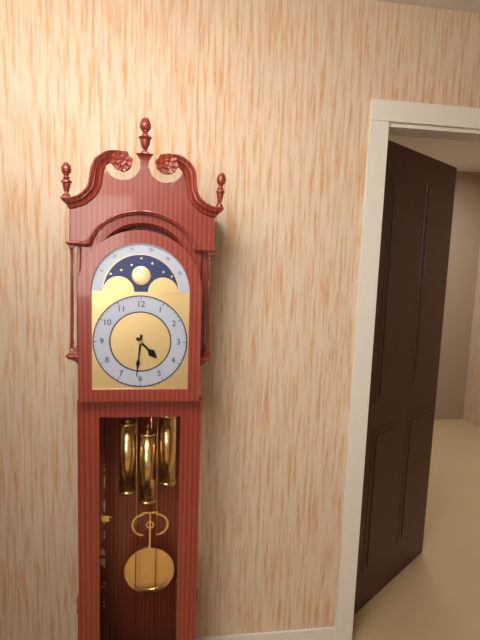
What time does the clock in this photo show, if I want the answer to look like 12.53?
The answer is 4.31
